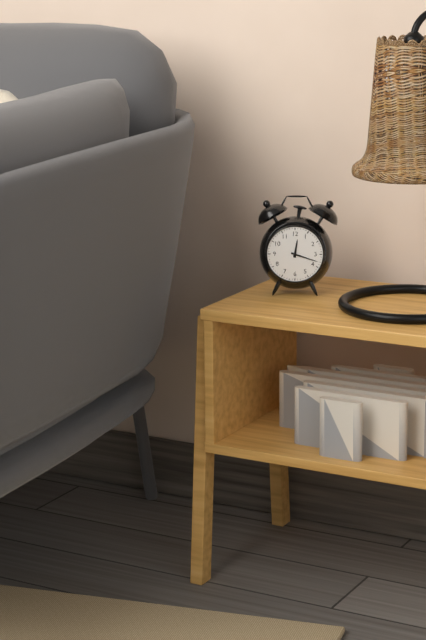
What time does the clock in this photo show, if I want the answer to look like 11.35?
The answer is 12.18
